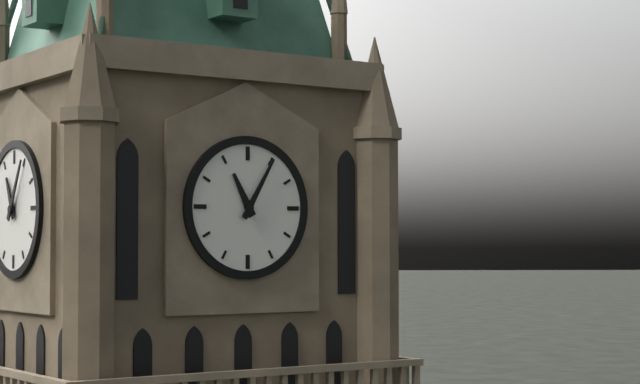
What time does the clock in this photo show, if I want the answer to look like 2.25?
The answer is 11.05
